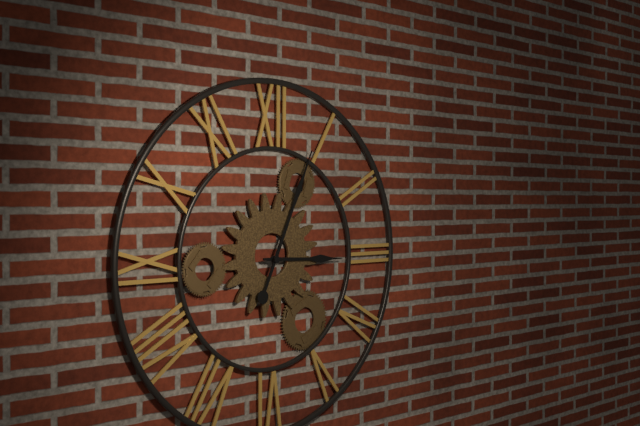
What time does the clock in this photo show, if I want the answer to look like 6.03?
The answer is 3.04
